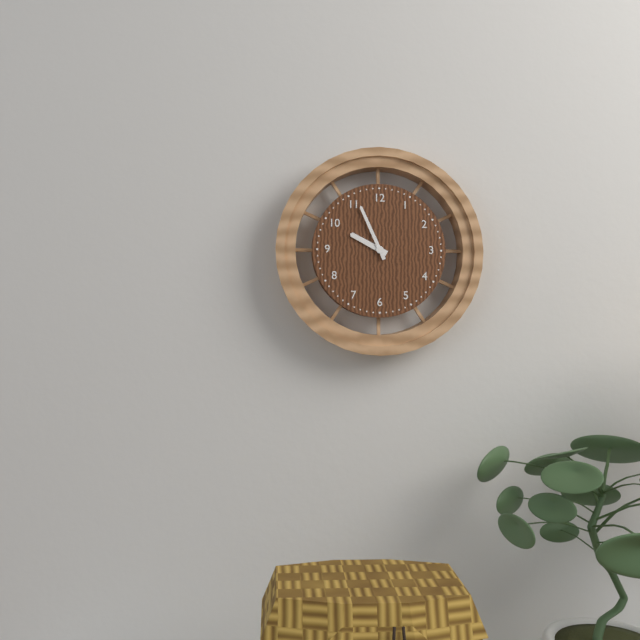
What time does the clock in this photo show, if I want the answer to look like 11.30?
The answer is 9.56
